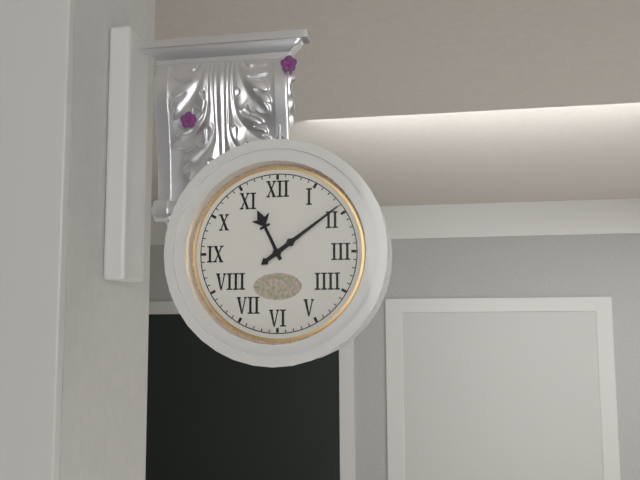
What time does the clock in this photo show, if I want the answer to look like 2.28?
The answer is 11.09
